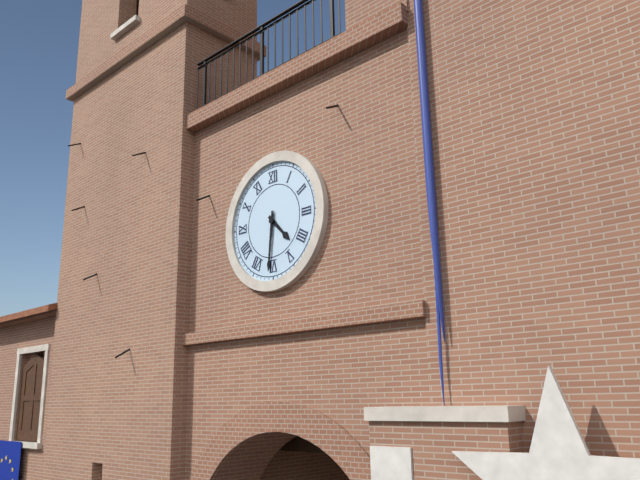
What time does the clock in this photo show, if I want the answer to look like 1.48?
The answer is 4.31
